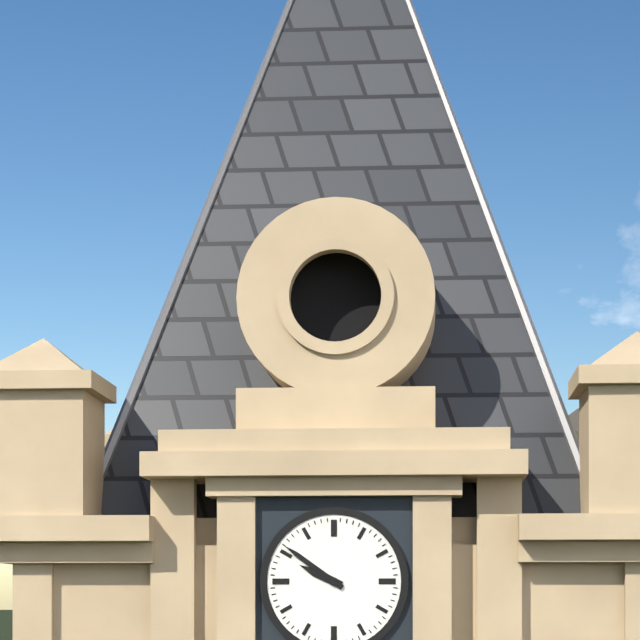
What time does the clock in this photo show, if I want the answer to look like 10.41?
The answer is 9.51
